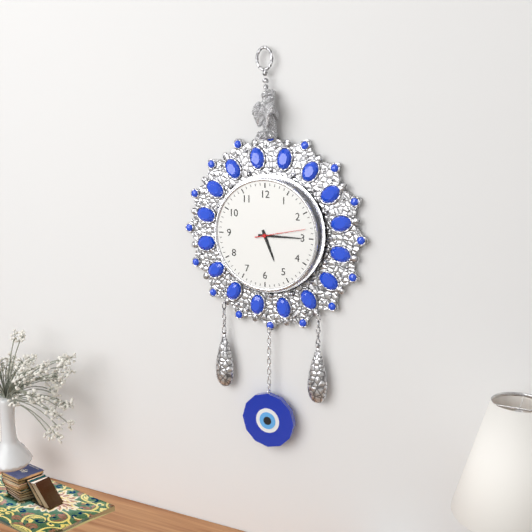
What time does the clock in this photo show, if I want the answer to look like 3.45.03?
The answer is 5.15.13
